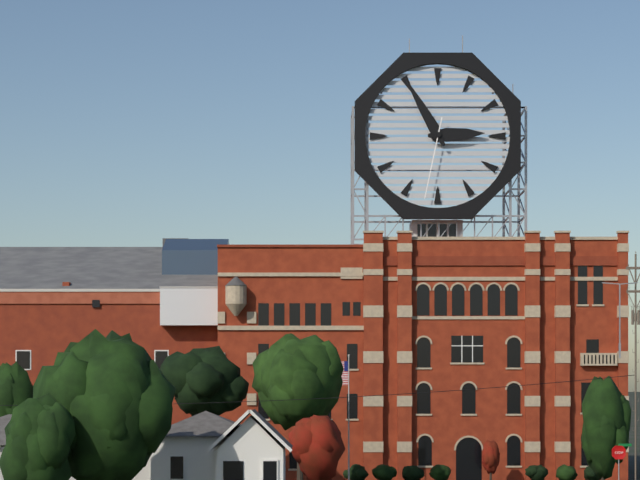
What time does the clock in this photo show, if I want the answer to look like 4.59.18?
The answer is 2.55.32
